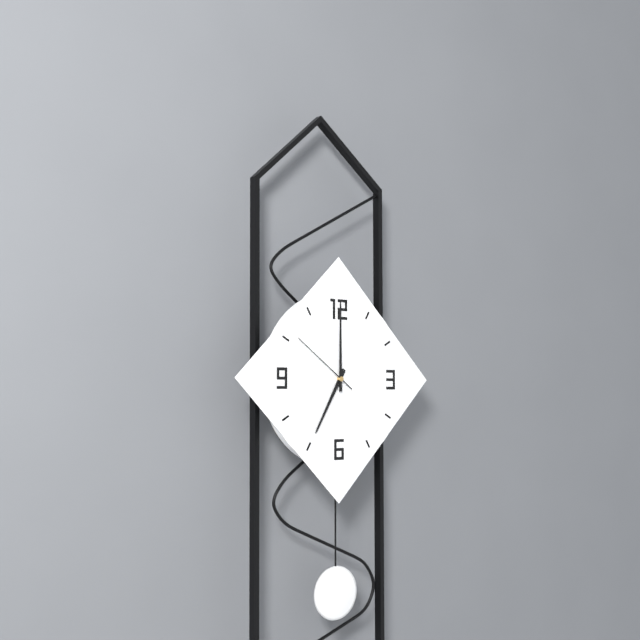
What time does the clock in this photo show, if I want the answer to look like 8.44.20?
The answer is 7.00.51
